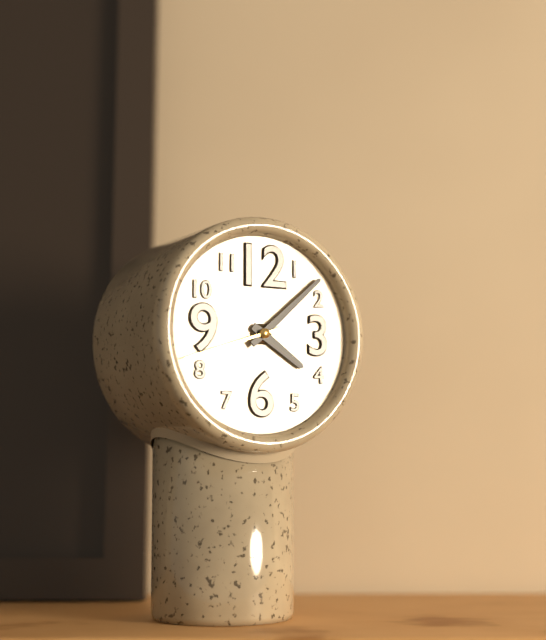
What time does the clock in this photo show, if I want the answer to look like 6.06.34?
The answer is 4.08.42
